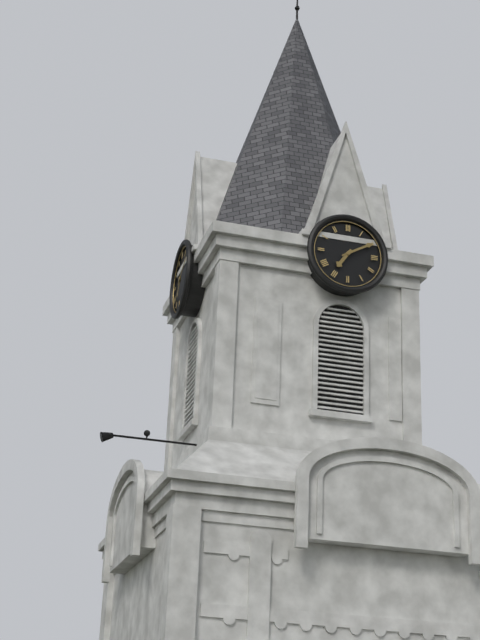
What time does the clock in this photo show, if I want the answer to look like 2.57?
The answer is 7.10
